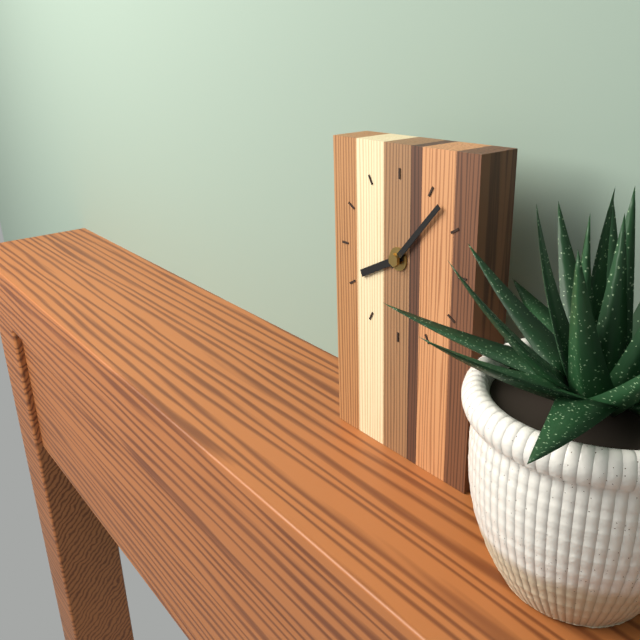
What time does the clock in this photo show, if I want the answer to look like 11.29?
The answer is 8.07
